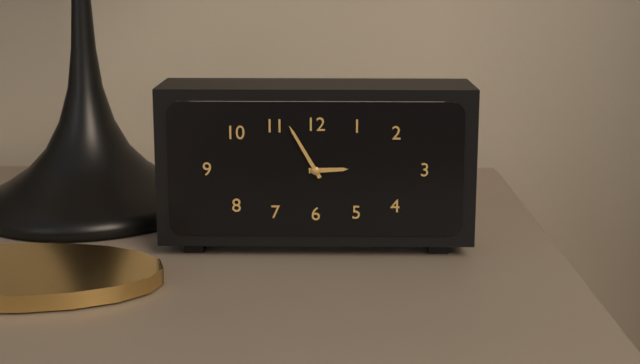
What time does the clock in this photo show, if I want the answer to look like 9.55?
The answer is 2.55
